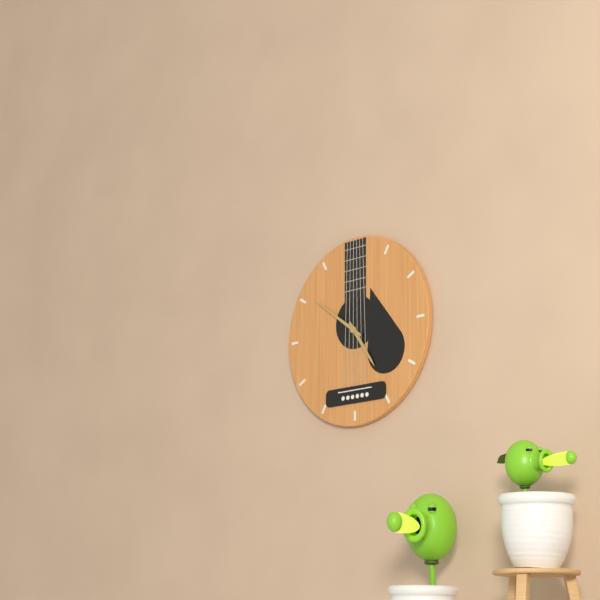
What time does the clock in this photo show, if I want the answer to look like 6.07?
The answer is 4.51
